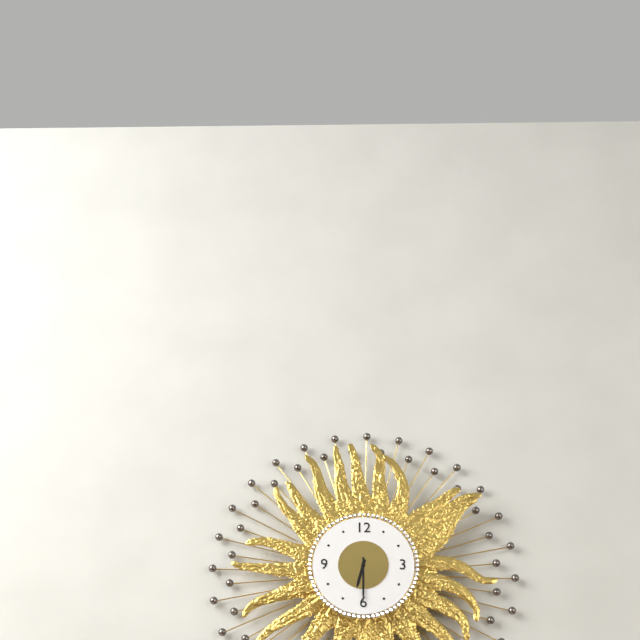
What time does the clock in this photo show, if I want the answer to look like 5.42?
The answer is 6.30
